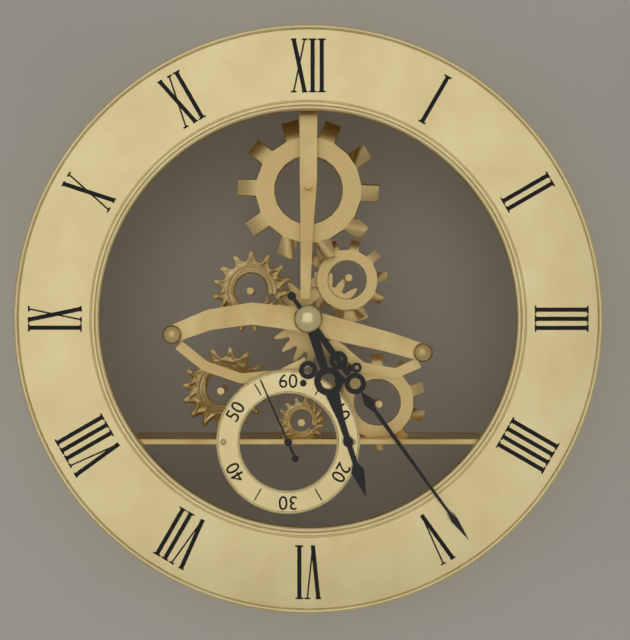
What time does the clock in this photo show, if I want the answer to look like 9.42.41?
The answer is 5.24.56
